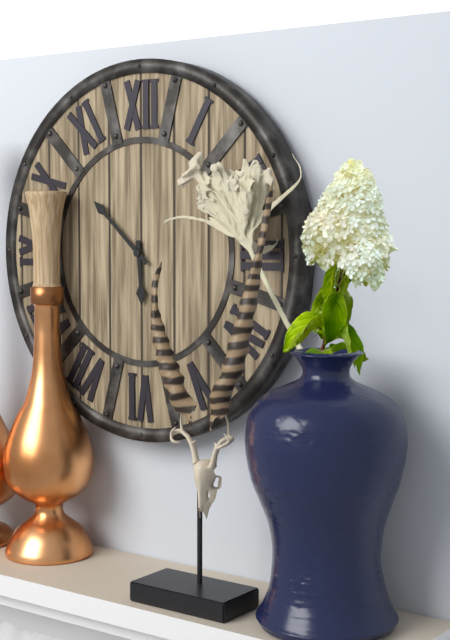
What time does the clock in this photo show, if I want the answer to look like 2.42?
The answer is 5.52
